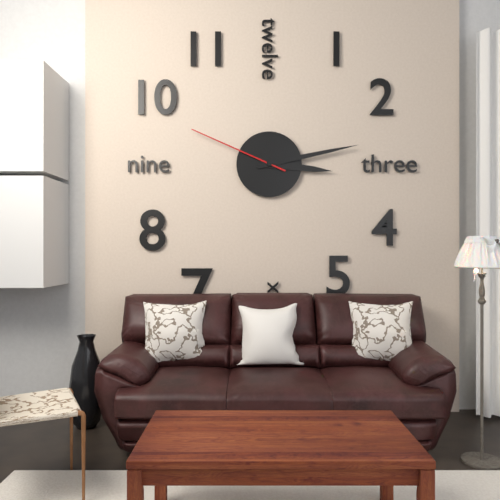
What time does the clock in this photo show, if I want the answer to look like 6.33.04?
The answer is 3.13.49
